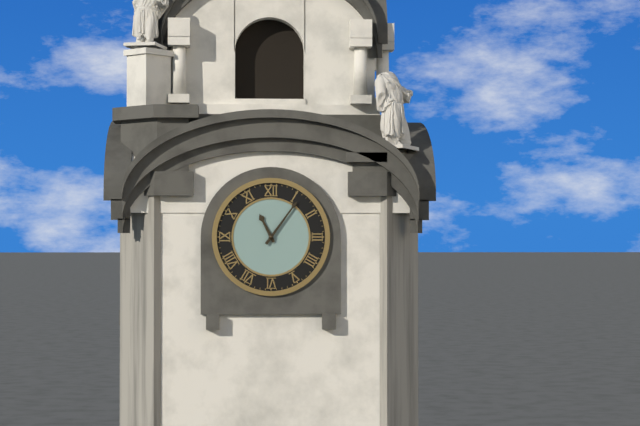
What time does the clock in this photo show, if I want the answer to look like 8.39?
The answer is 11.06
